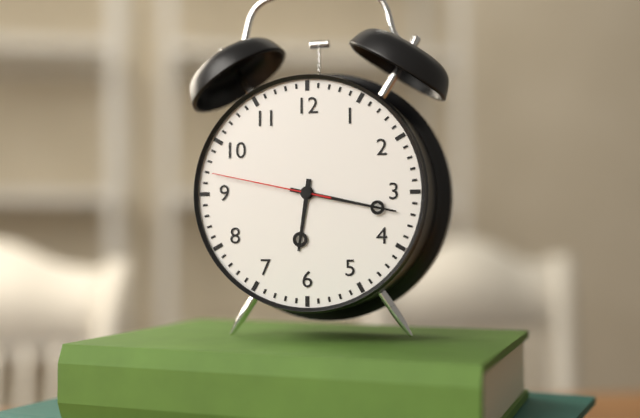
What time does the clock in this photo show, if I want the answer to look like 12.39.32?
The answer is 6.17.47
